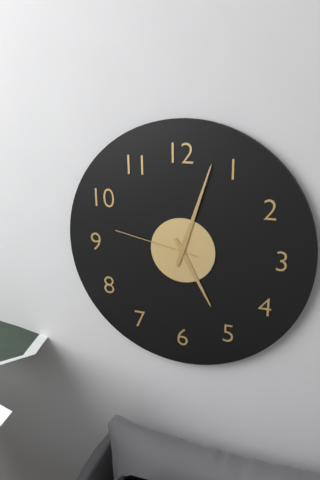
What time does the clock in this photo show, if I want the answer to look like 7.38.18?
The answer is 5.03.47
